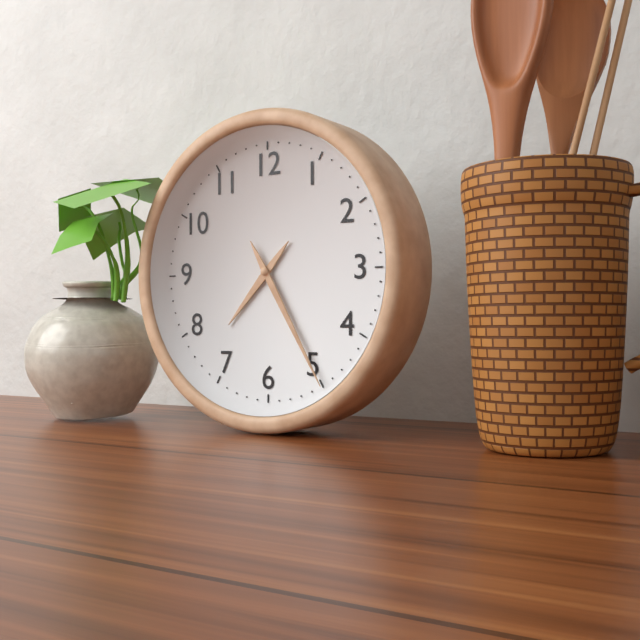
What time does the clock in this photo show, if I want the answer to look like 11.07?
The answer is 7.25
